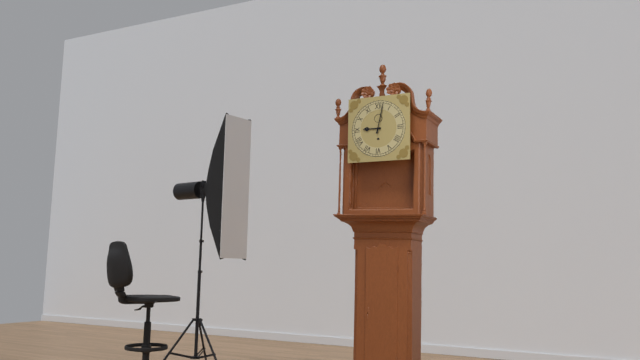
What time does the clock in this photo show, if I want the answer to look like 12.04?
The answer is 9.02
